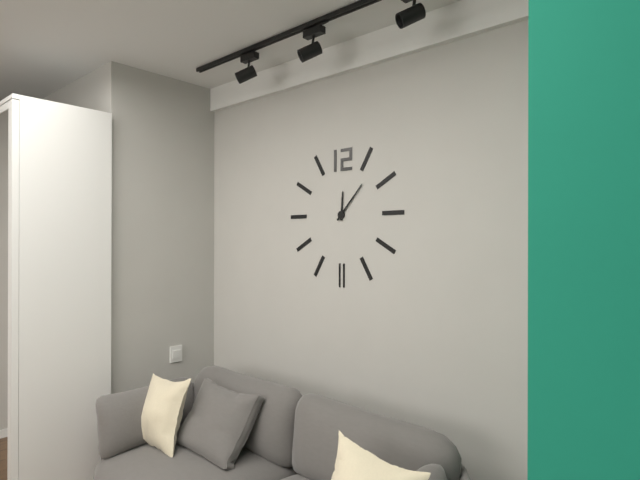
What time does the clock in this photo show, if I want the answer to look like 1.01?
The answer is 12.07
